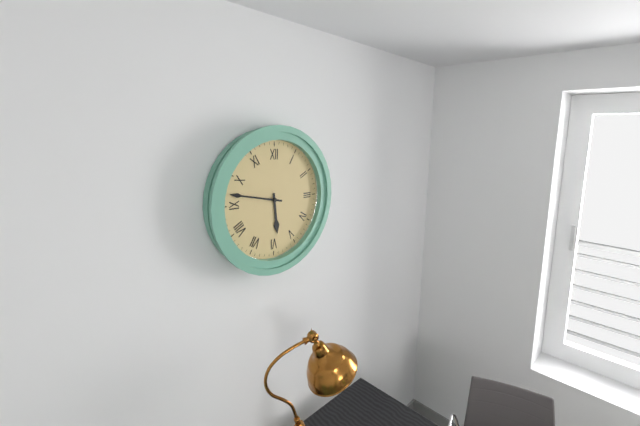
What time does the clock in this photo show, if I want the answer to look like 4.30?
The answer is 5.47
